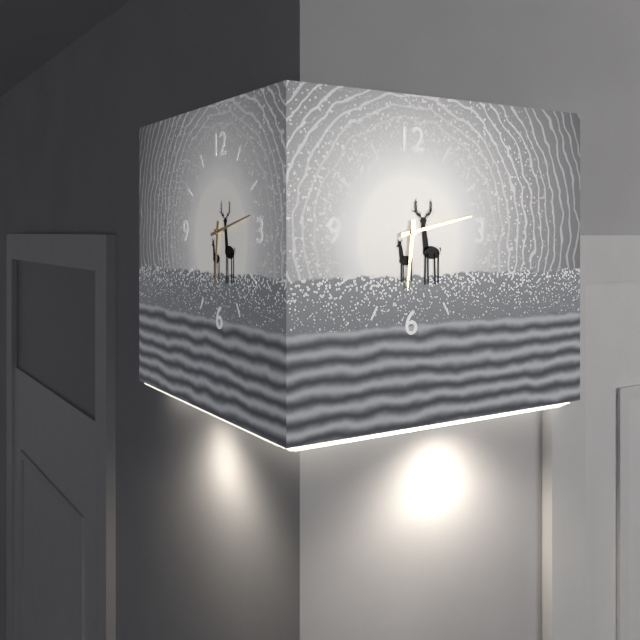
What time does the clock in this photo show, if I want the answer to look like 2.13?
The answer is 6.13
